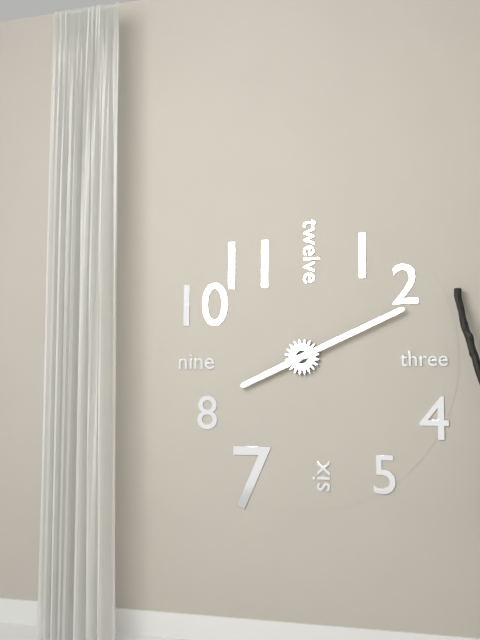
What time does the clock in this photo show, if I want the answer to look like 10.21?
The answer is 8.11
